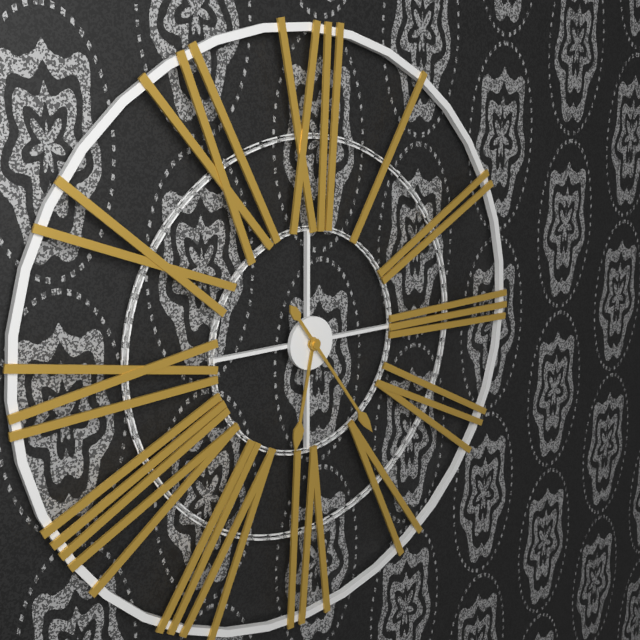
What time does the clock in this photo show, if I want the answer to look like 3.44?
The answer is 6.24
